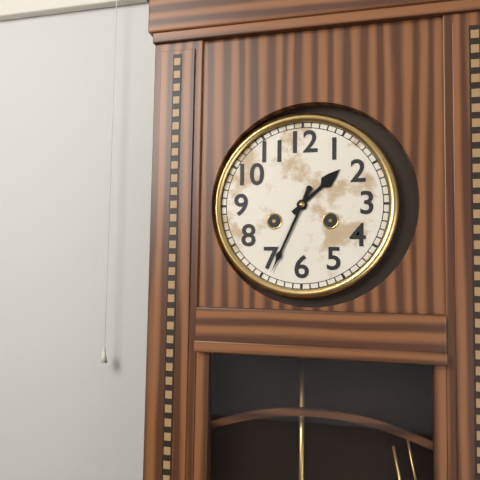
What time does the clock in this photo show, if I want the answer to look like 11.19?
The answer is 1.34
